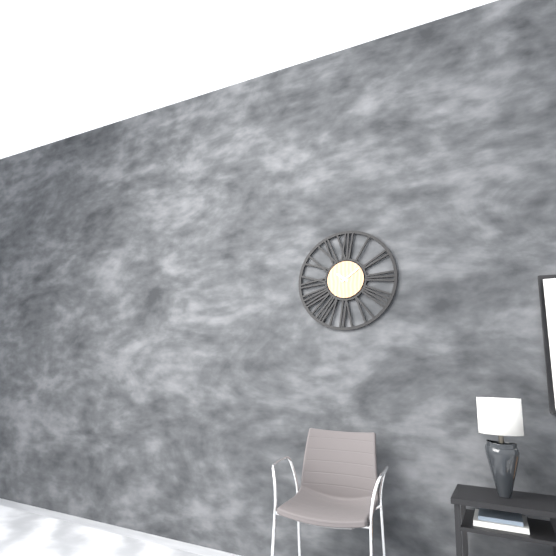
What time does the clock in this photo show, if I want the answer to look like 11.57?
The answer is 10.09
